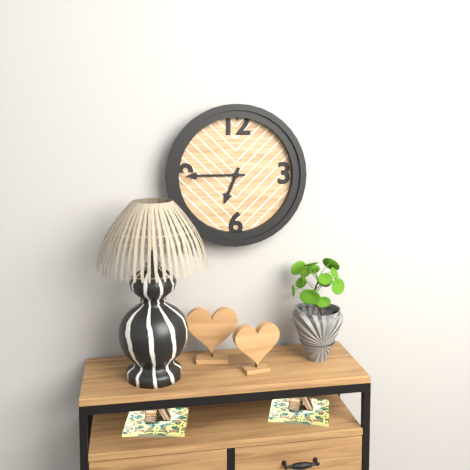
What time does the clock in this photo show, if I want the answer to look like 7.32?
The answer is 6.45
